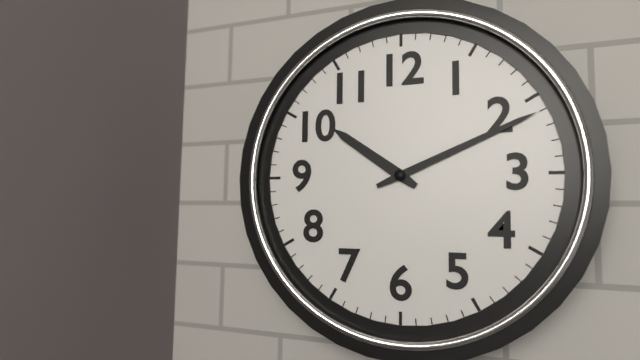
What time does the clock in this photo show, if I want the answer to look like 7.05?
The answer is 10.11
